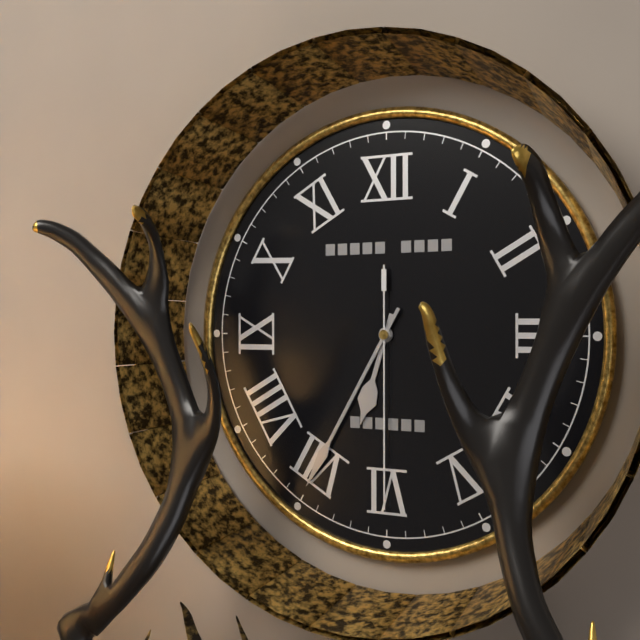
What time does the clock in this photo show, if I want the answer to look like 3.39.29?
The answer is 6.35.30
